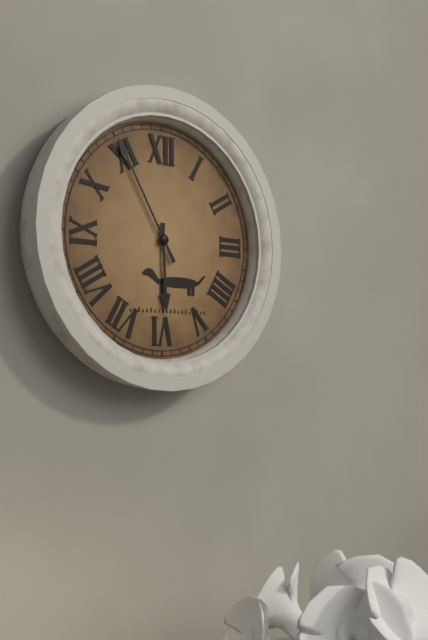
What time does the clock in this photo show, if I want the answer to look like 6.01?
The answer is 5.55
